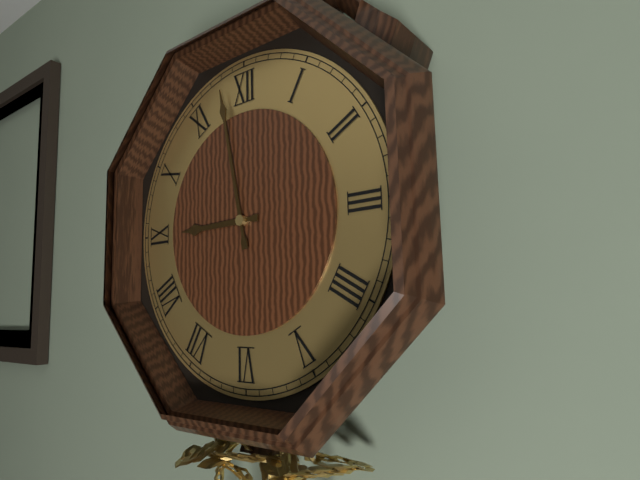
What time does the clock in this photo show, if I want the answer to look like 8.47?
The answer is 8.58
